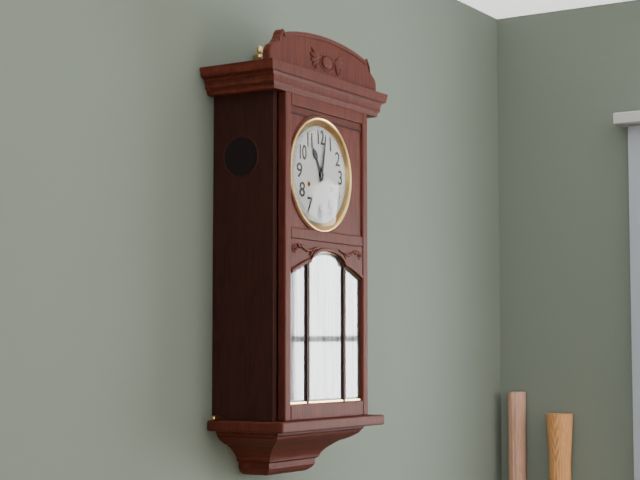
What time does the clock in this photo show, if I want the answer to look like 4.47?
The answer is 11.02
